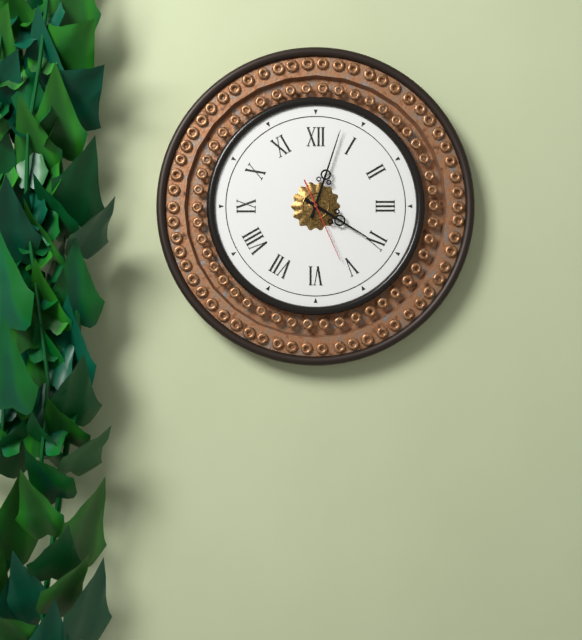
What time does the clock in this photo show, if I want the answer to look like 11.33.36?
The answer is 4.03.26
